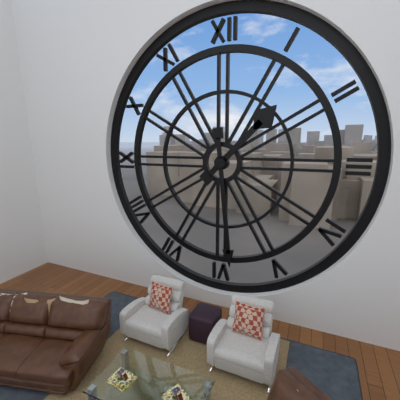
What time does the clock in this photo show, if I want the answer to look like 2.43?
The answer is 1.29
